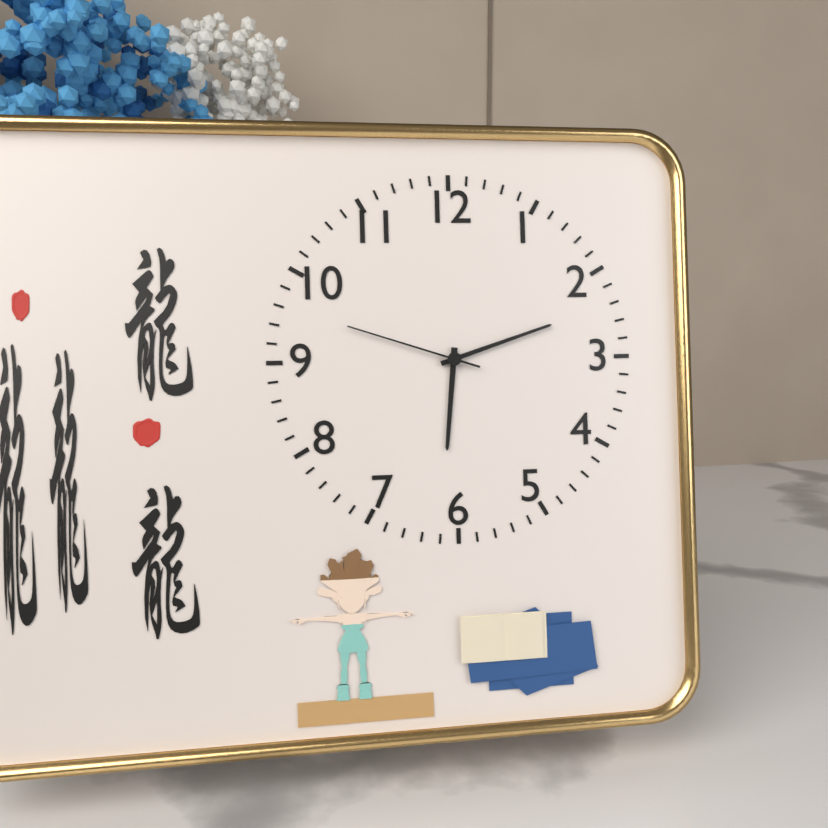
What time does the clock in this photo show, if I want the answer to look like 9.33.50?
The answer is 6.12.48
